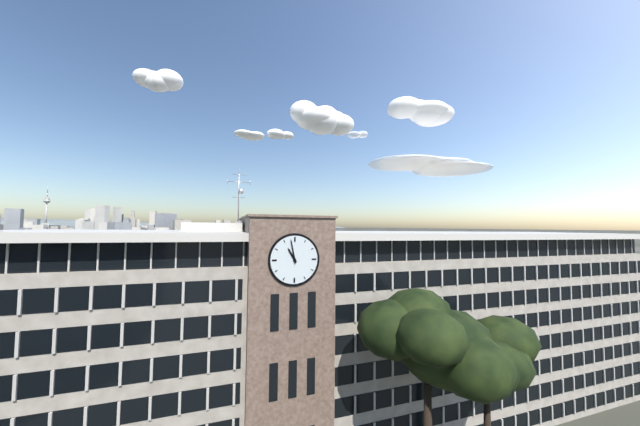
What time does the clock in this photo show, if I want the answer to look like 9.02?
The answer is 10.58
